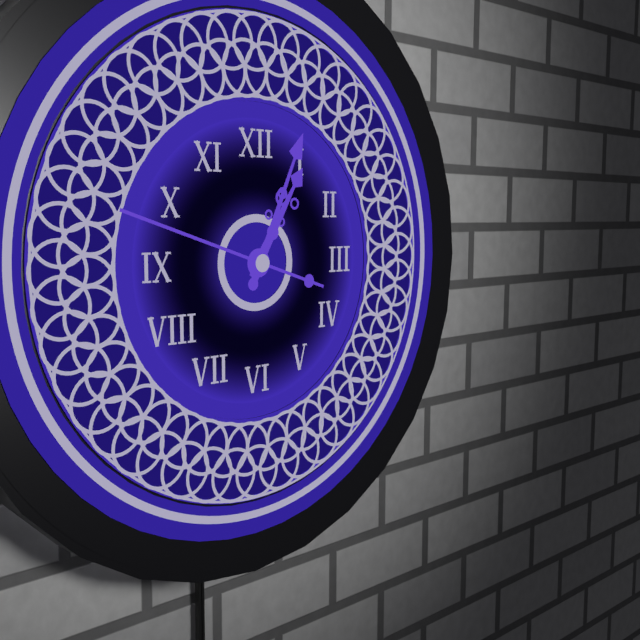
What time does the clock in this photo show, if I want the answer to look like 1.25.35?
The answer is 1.04.48
